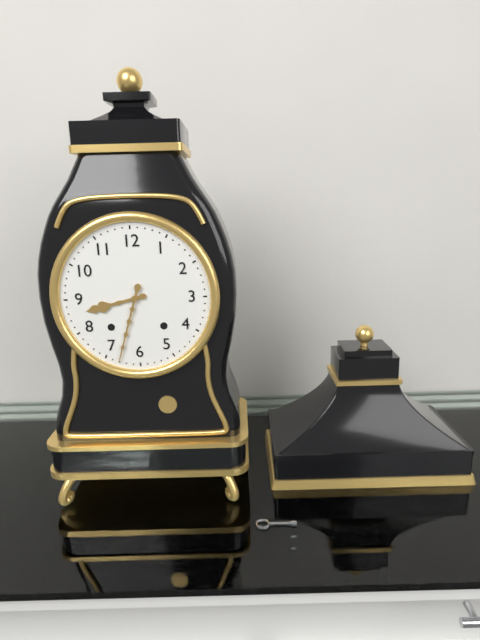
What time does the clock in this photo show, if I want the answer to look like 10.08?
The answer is 8.33
